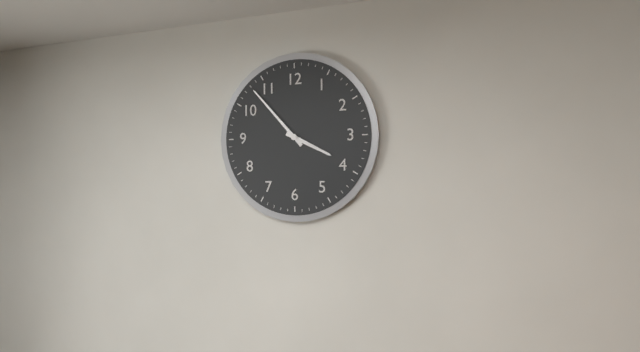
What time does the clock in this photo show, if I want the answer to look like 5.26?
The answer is 3.53
